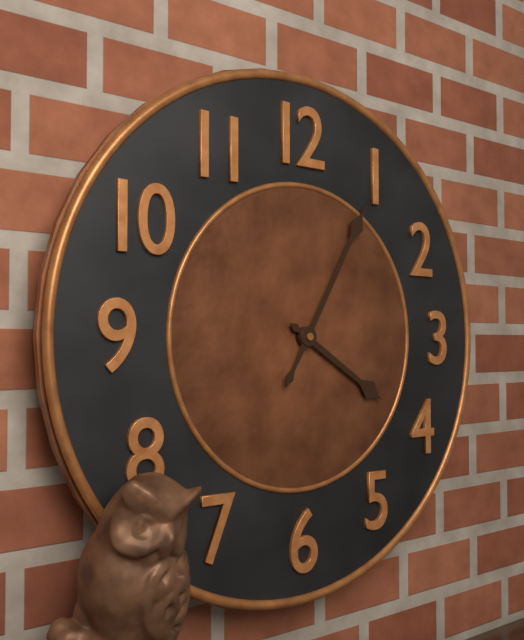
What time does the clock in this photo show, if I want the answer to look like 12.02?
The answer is 4.05
